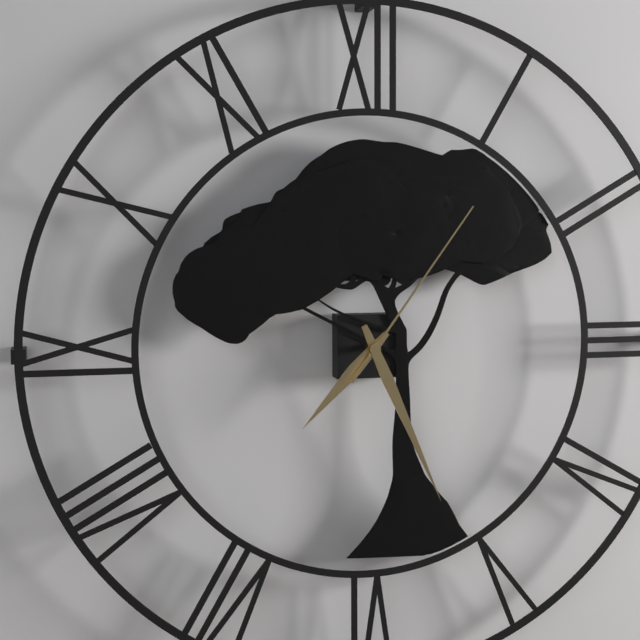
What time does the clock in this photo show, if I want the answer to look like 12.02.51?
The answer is 7.26.06
